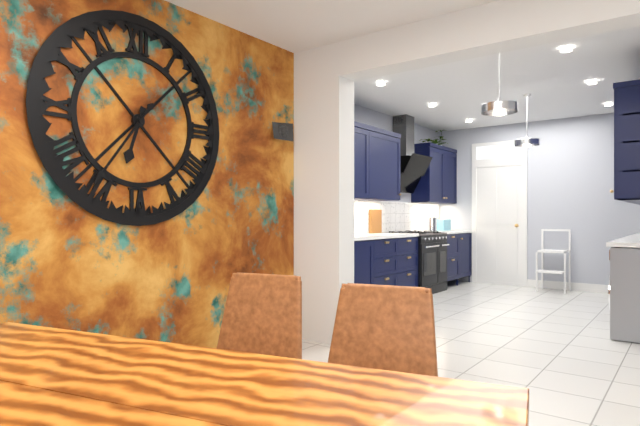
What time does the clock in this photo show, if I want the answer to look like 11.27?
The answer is 6.36
